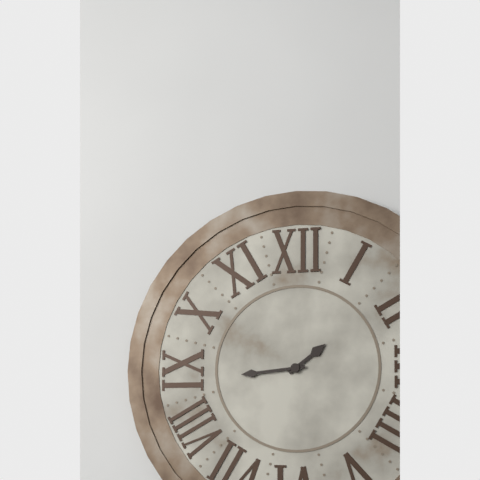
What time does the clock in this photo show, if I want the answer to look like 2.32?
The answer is 1.44
